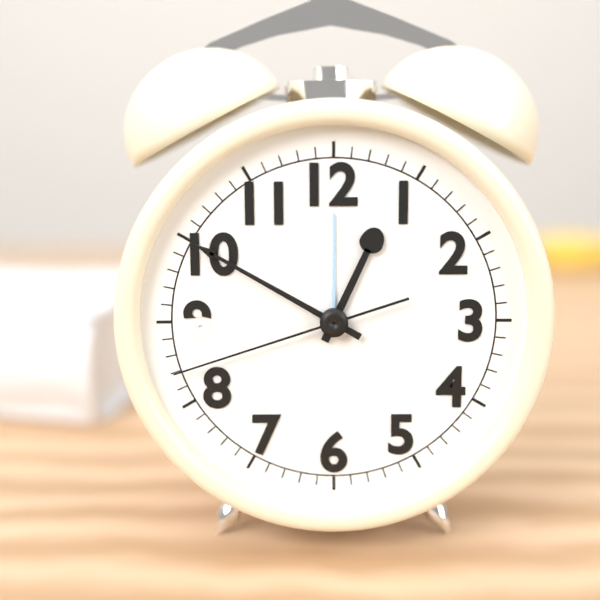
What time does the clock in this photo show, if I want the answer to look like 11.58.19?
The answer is 12.50.42
